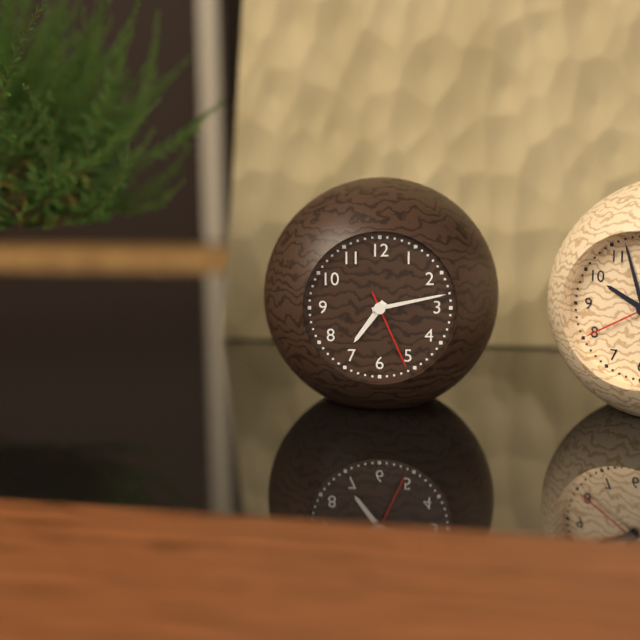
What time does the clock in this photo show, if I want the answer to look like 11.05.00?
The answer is 7.13.26
